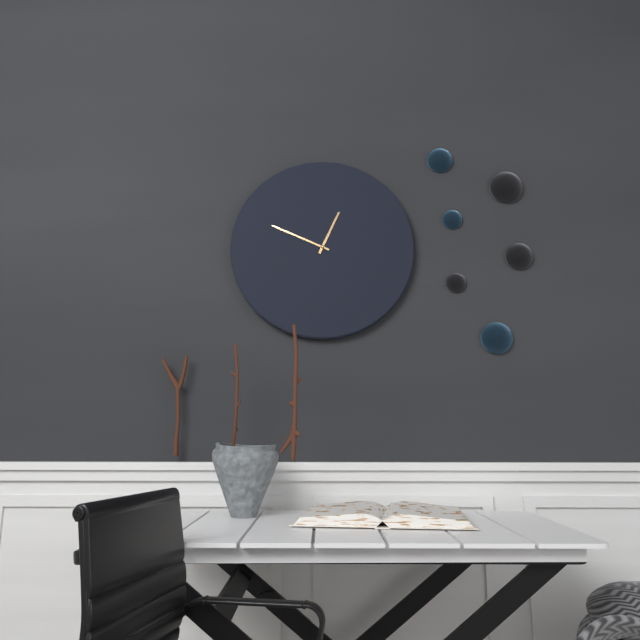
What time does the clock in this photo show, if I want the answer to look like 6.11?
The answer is 12.49
